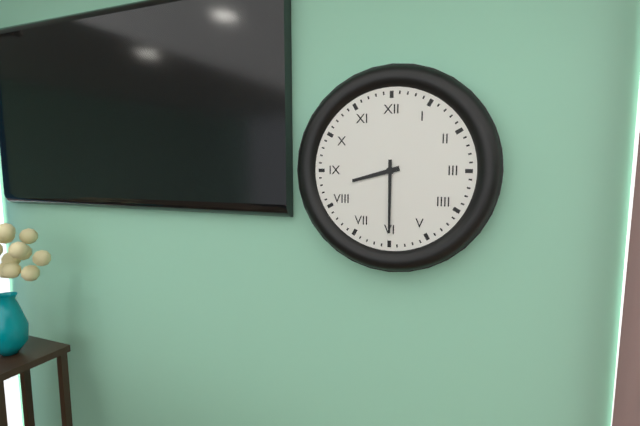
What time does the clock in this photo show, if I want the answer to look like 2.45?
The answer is 8.30
